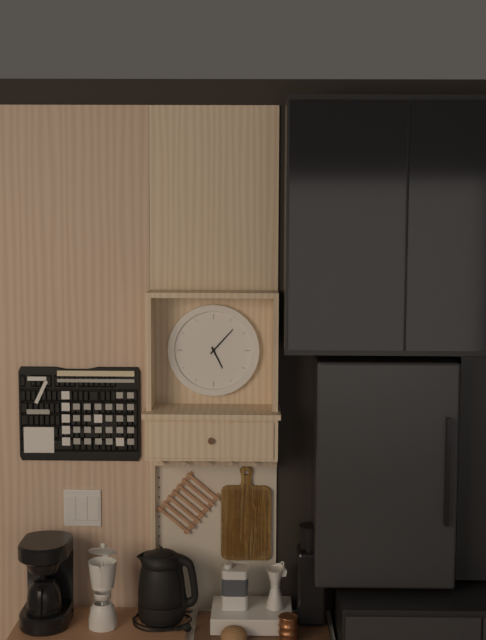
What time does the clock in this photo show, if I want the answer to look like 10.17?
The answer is 5.07
